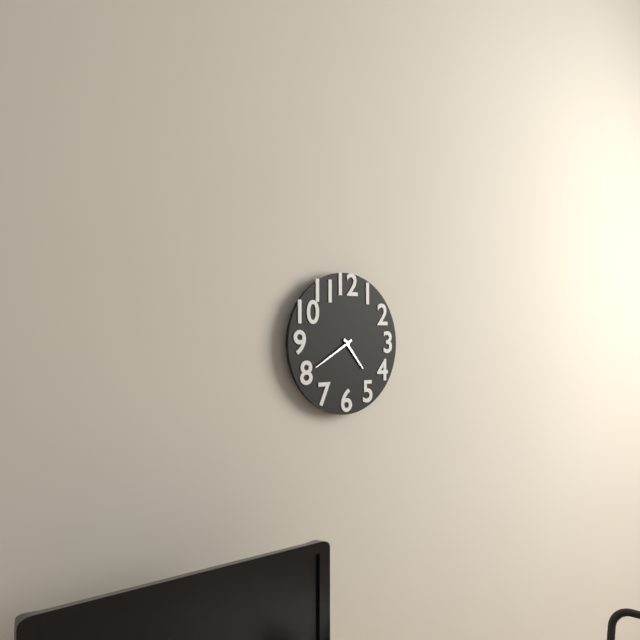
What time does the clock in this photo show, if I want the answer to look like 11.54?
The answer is 4.40
